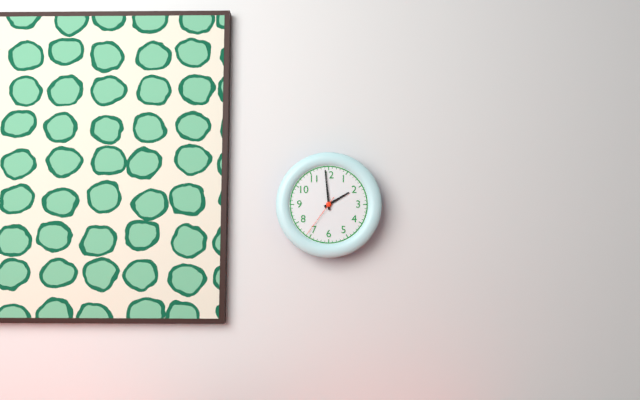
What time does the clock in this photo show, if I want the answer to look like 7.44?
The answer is 1.59
